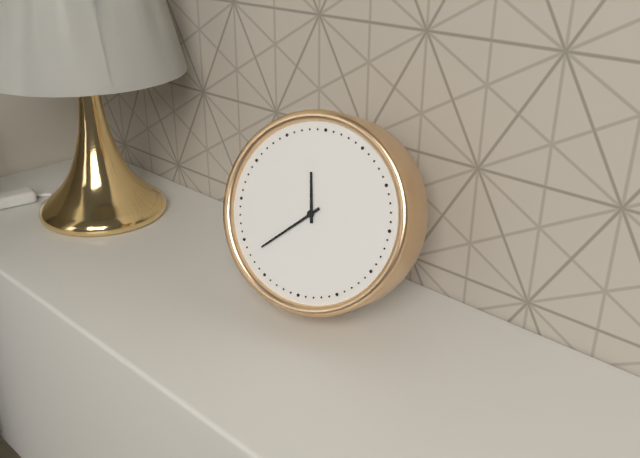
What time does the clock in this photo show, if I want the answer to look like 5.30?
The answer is 11.38
